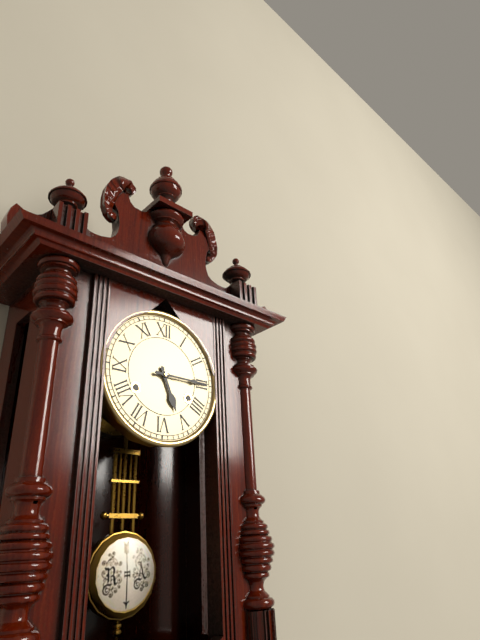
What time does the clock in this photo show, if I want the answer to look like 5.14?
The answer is 5.15
